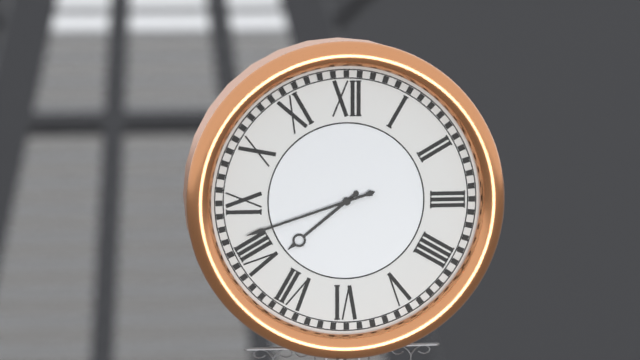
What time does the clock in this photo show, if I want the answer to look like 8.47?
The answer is 7.42
